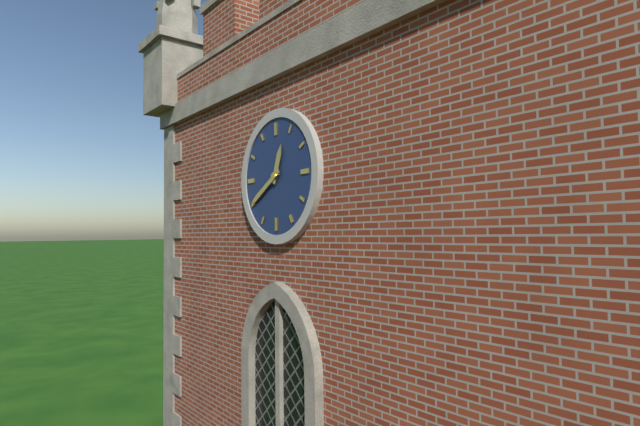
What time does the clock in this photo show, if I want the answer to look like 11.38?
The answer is 12.40
